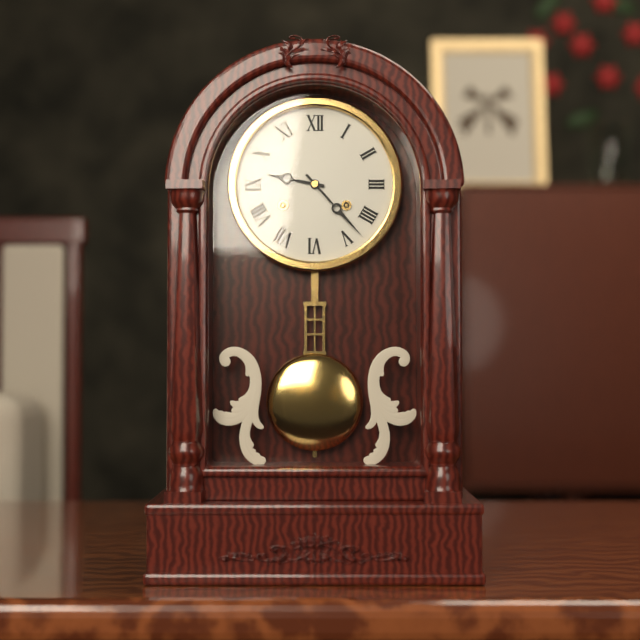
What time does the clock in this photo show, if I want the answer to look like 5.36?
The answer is 9.23
